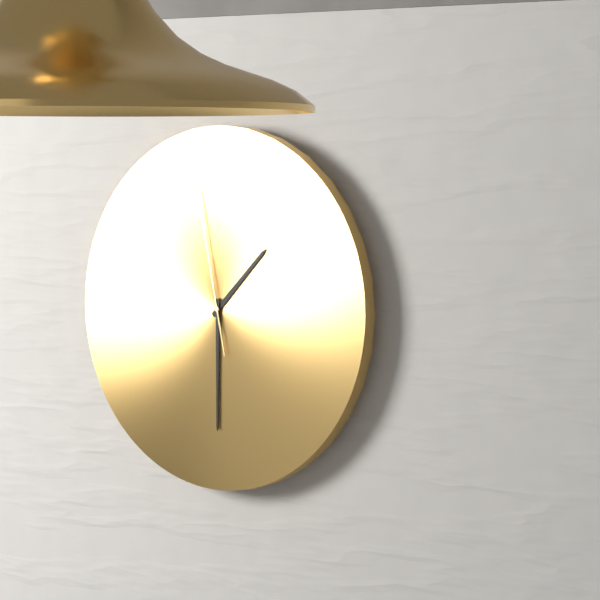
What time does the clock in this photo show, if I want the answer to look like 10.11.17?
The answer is 1.30.58
